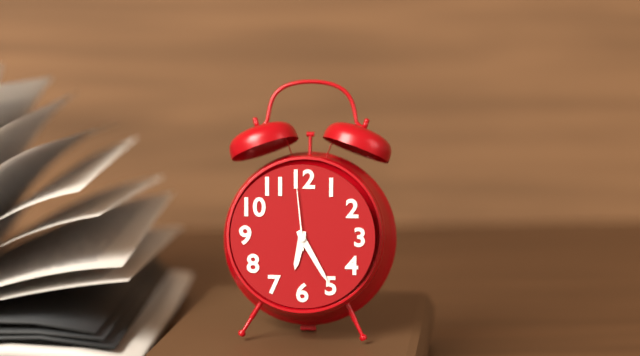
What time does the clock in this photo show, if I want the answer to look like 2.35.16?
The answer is 6.25.59
